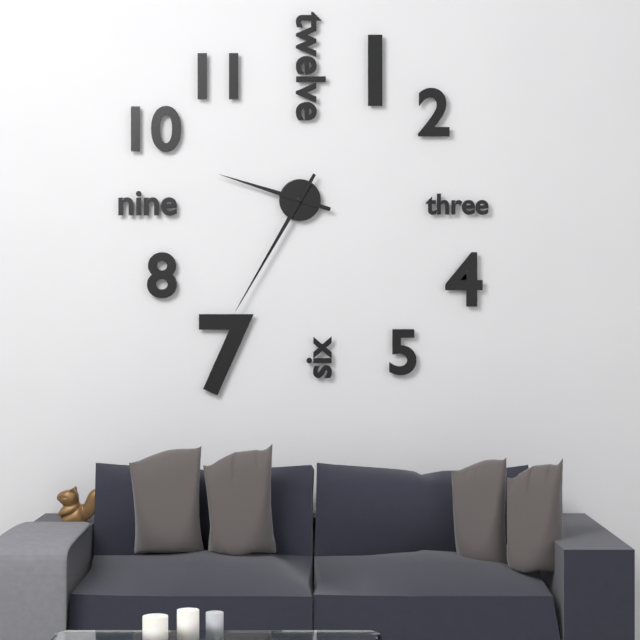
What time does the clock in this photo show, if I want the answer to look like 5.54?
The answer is 9.35
